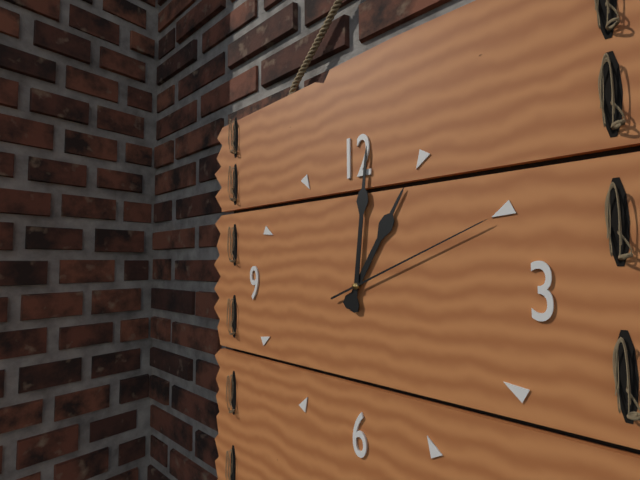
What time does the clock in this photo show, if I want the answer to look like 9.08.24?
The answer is 1.01.11
